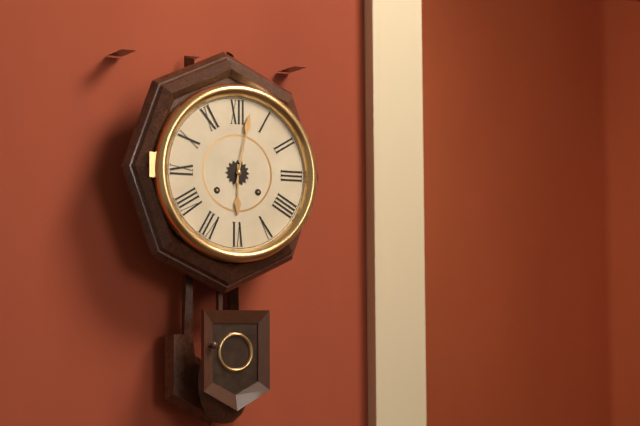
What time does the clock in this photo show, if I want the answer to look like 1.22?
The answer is 6.02
